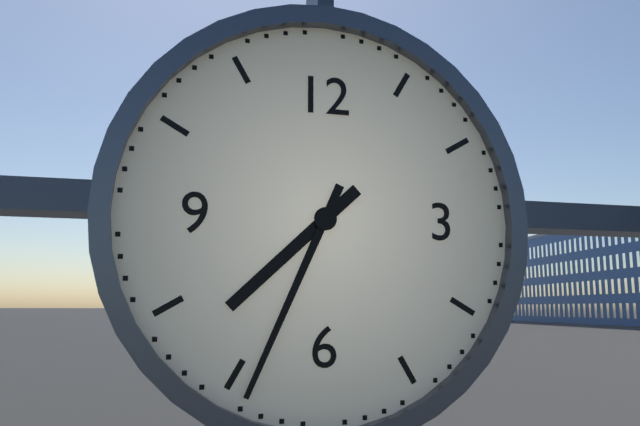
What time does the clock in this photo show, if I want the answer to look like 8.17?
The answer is 7.34
